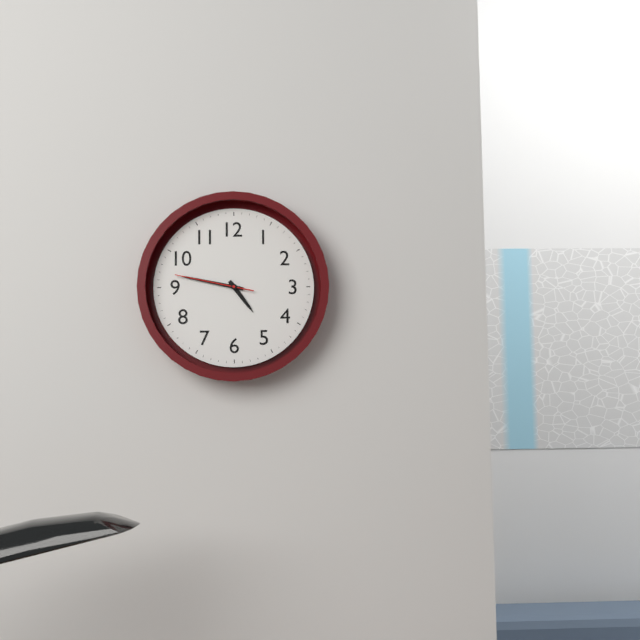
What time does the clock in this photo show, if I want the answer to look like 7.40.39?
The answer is 4.47.47
